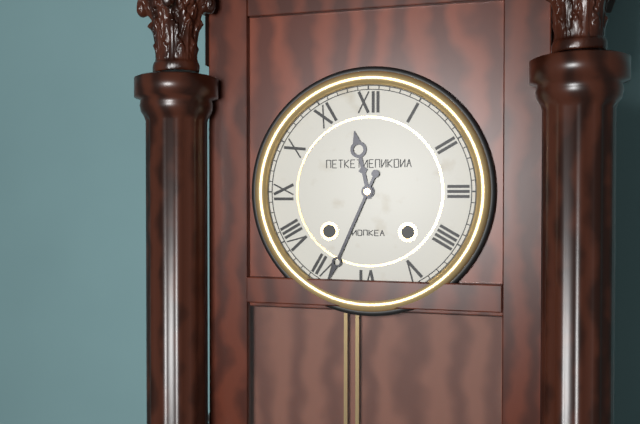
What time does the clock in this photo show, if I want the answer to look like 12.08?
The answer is 11.34
